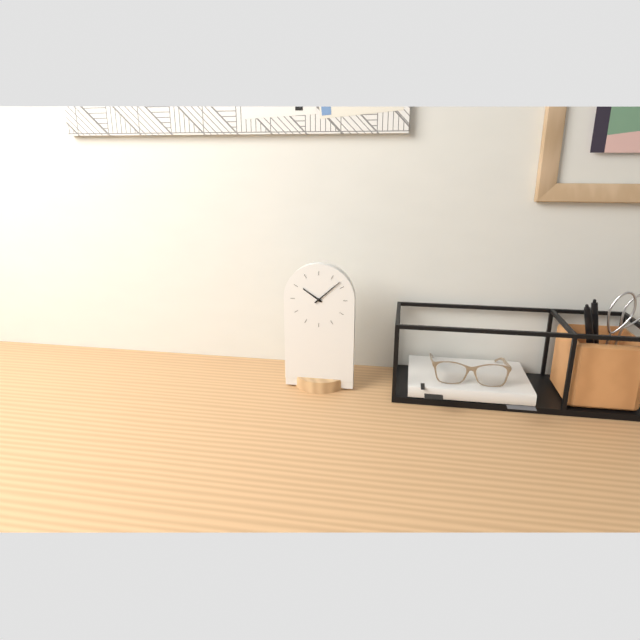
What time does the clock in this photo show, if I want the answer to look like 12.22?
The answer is 10.08
